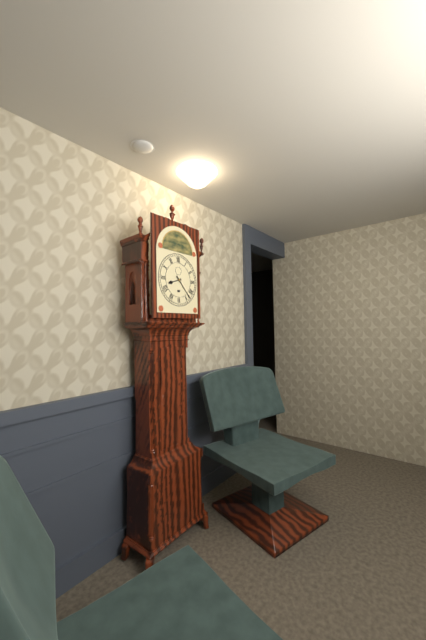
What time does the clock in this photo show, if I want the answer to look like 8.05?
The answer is 8.23
